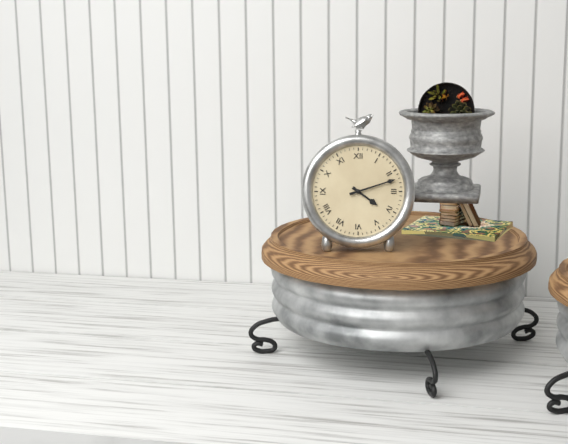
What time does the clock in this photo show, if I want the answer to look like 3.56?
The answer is 4.12
